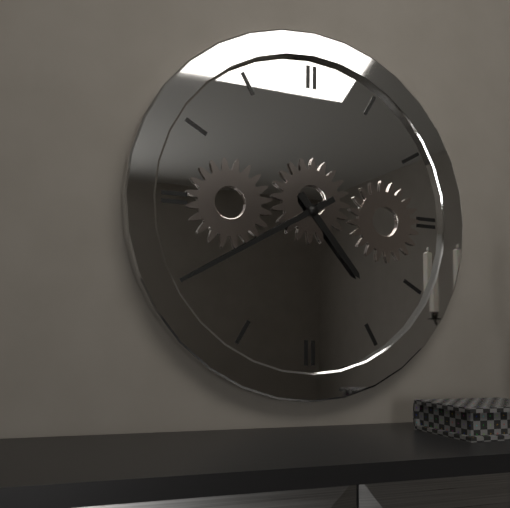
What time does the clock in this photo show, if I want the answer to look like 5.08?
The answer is 4.40
